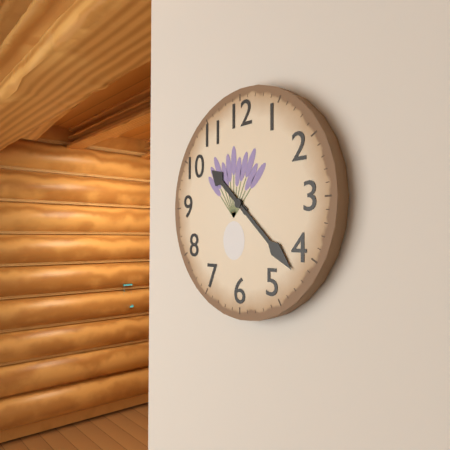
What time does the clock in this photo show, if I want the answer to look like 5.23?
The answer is 10.22
